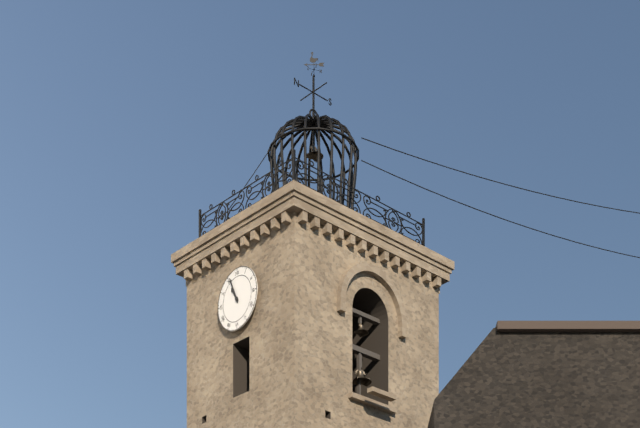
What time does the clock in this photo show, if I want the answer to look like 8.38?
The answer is 10.56
